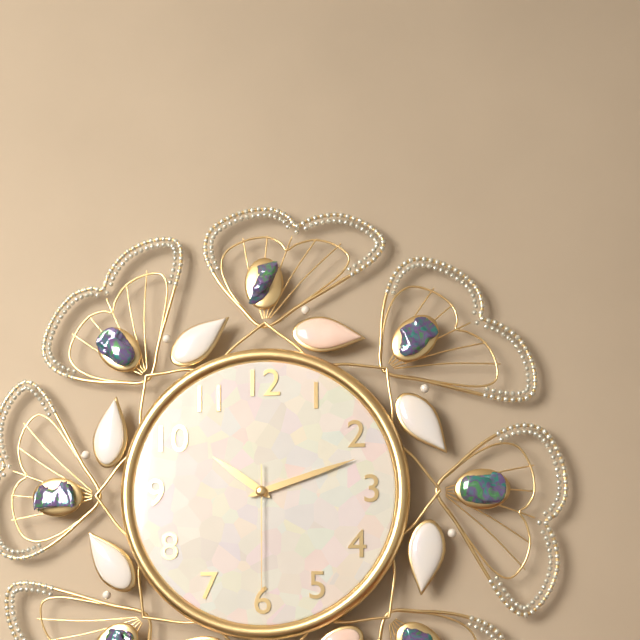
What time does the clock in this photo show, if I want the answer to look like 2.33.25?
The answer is 10.12.30
